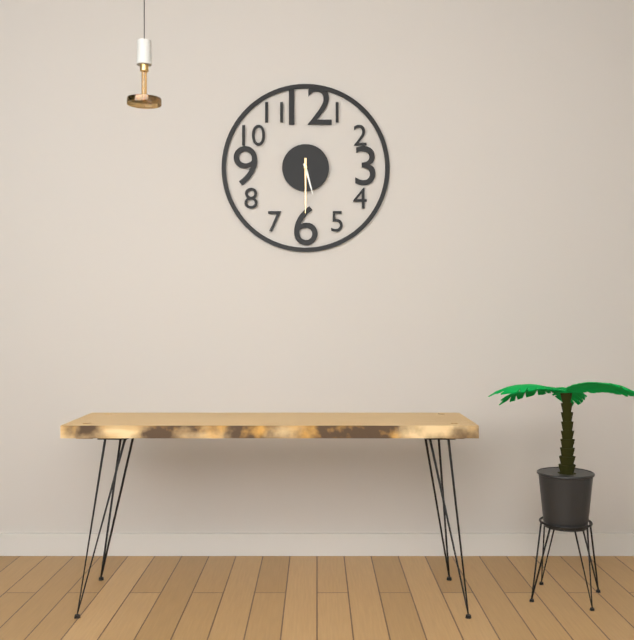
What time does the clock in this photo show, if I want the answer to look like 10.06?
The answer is 5.30
